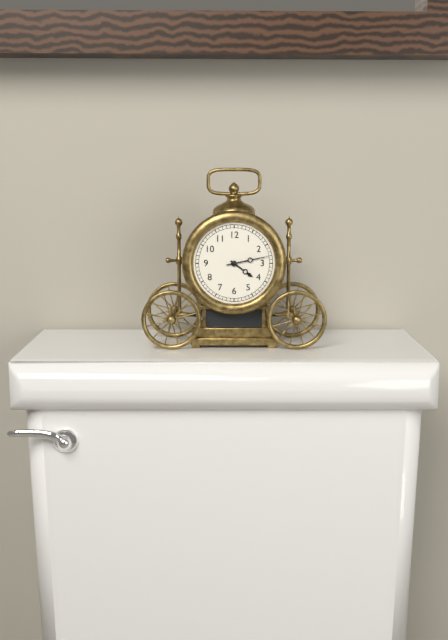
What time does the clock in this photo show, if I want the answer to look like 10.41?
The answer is 4.13
